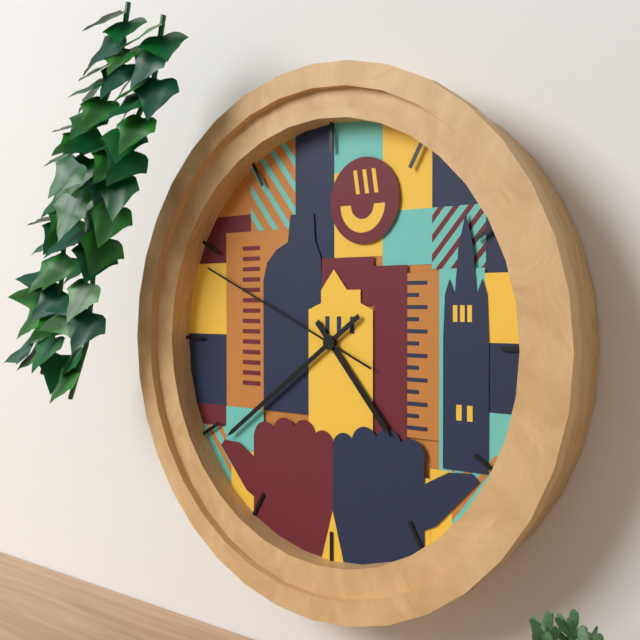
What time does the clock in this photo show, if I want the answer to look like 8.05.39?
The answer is 4.39.49
